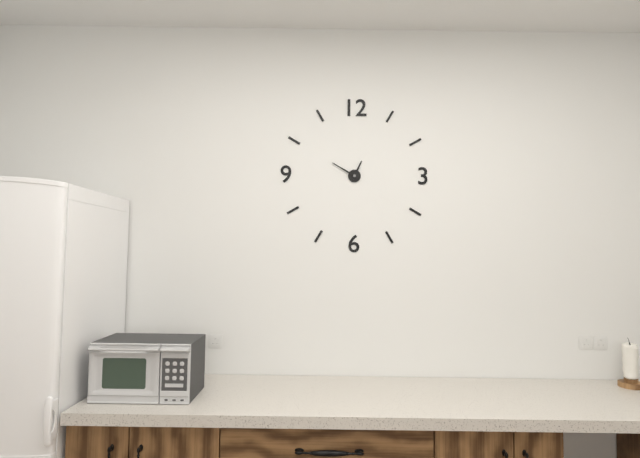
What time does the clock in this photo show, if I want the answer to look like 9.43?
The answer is 12.50
